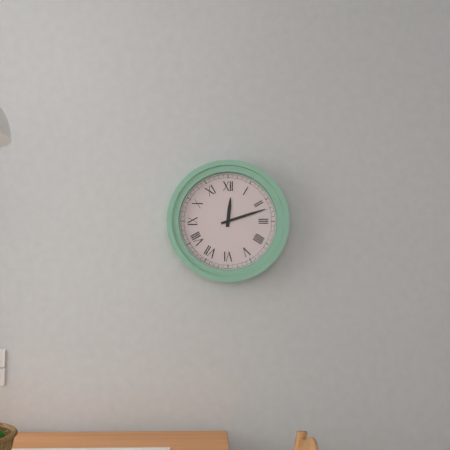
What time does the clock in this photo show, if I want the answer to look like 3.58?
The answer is 12.12
